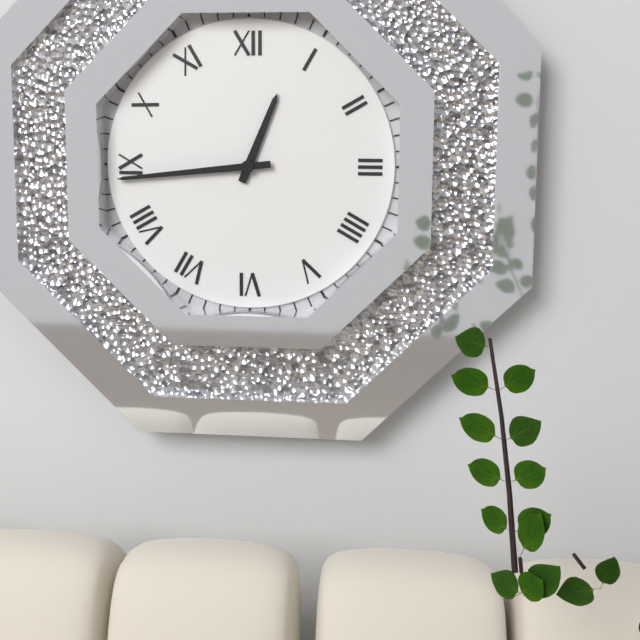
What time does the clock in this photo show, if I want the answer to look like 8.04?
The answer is 12.44
